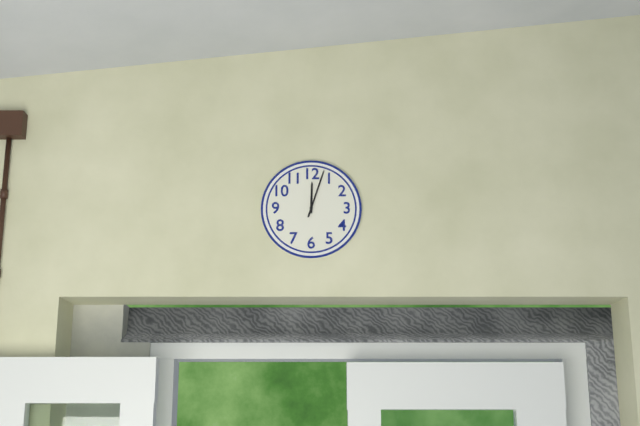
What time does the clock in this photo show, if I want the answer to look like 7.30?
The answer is 12.03
